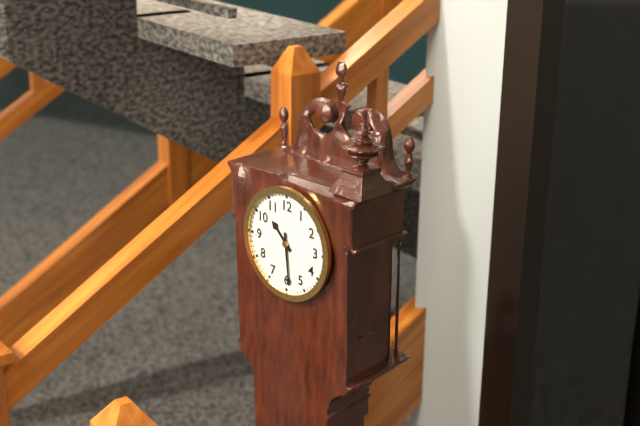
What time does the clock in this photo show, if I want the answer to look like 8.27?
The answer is 10.29
